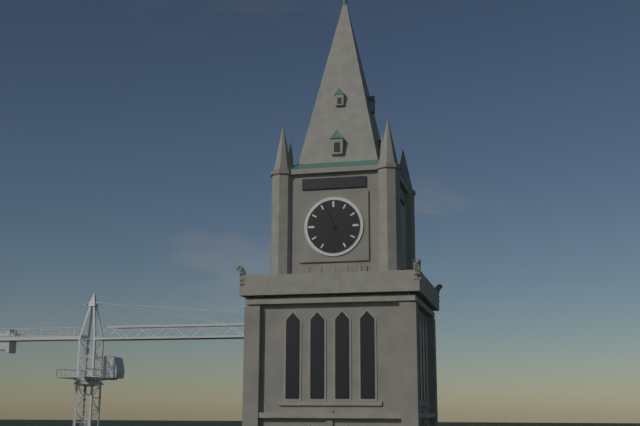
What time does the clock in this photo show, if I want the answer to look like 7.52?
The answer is 9.56
